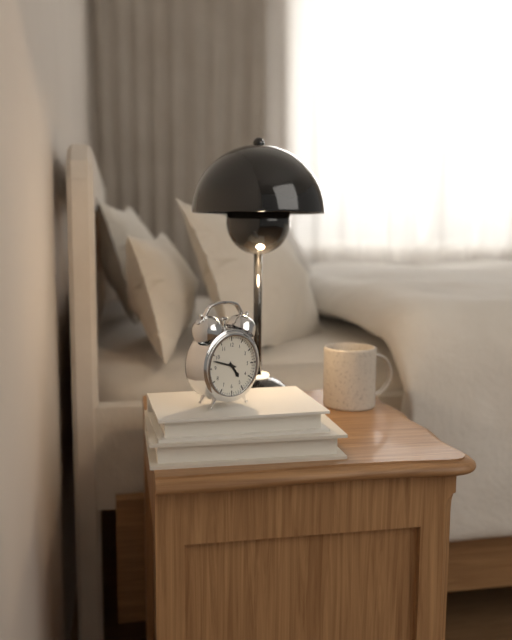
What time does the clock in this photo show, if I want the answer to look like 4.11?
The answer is 4.48
